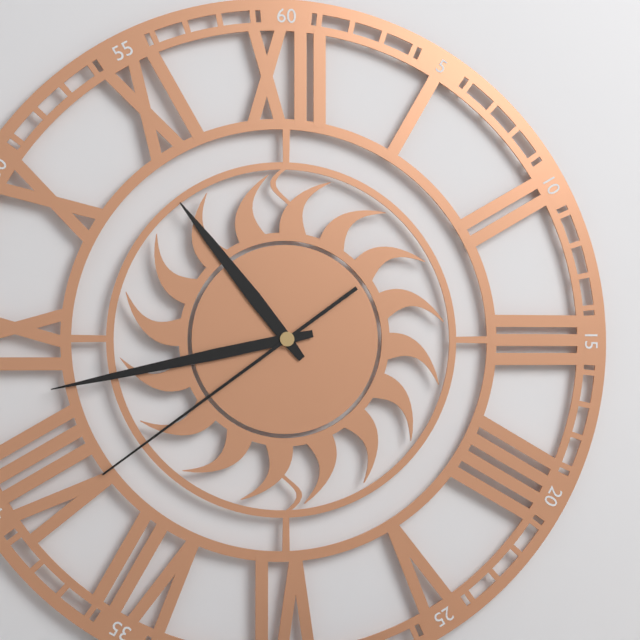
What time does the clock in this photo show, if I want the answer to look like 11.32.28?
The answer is 10.43.39
